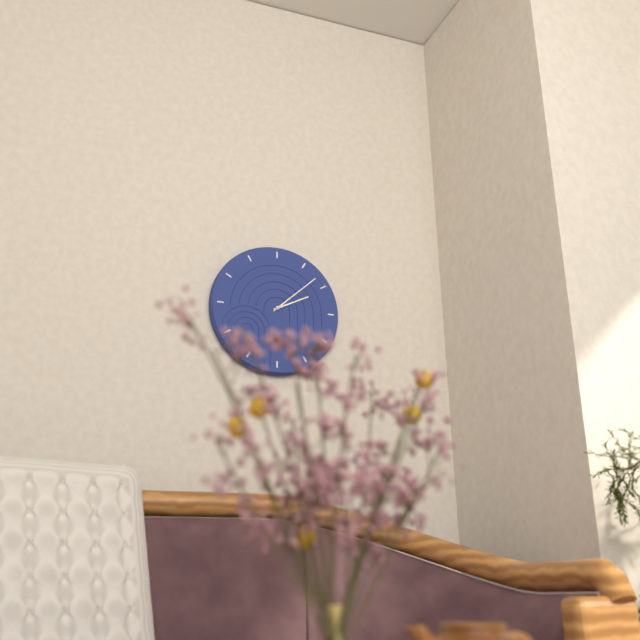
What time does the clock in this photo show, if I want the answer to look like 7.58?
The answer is 2.08
